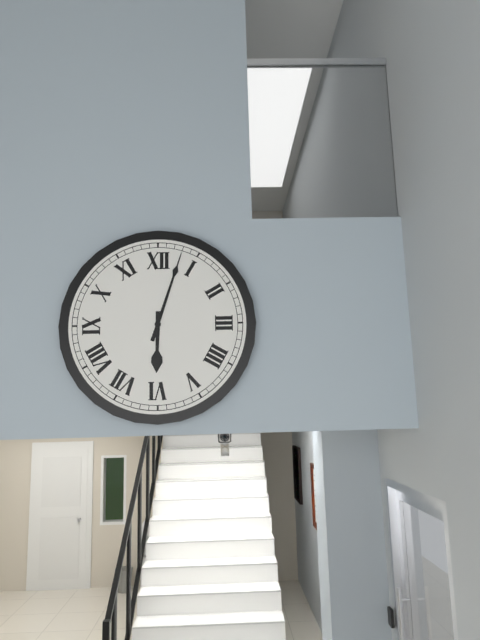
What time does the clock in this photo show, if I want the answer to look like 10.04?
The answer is 6.03
